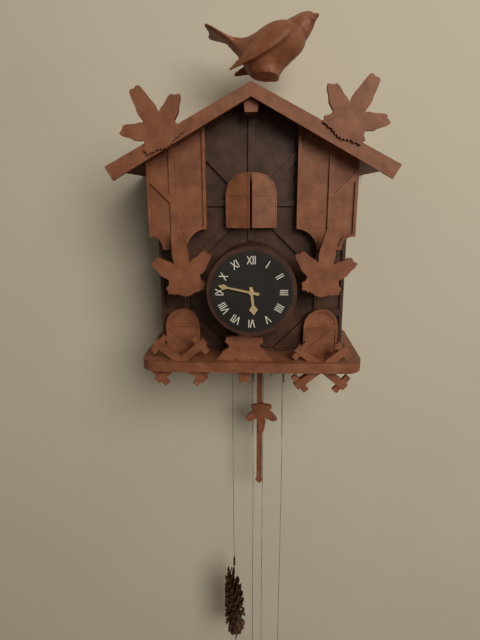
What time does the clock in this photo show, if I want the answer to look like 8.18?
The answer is 5.47
